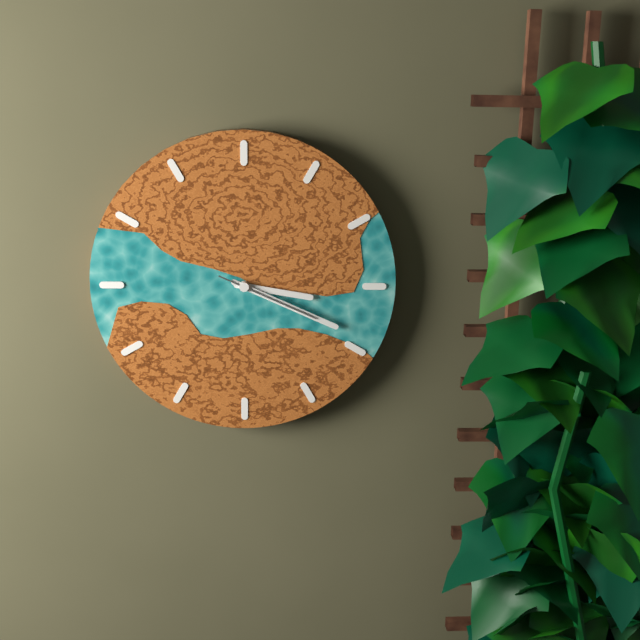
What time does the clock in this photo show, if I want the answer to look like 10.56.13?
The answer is 3.19.19
